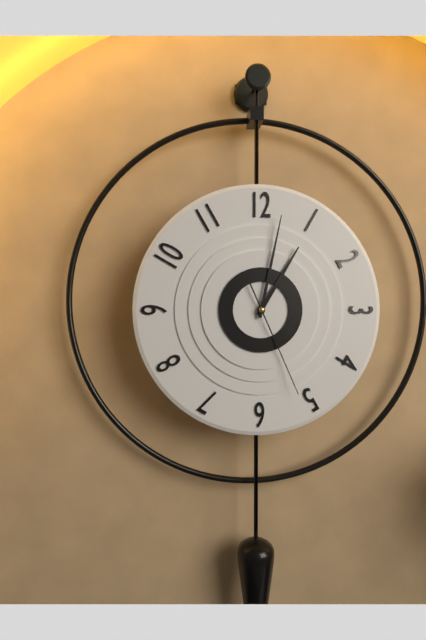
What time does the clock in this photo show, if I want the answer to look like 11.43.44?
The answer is 1.02.26
